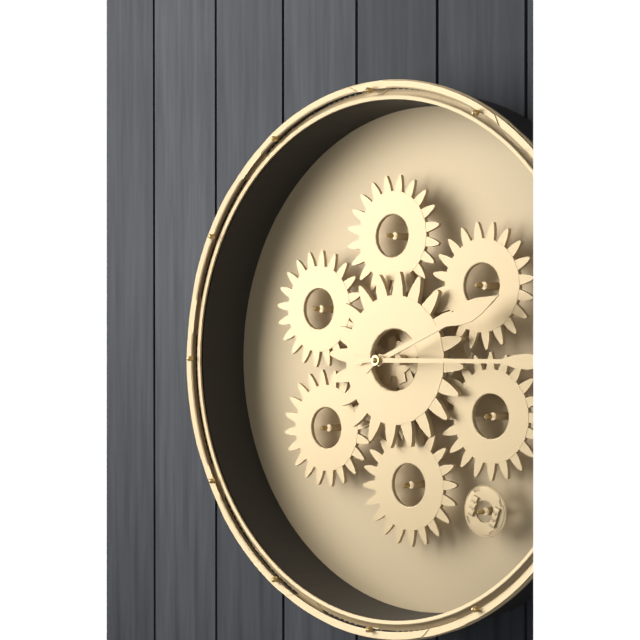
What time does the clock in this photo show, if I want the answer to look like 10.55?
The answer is 2.15
